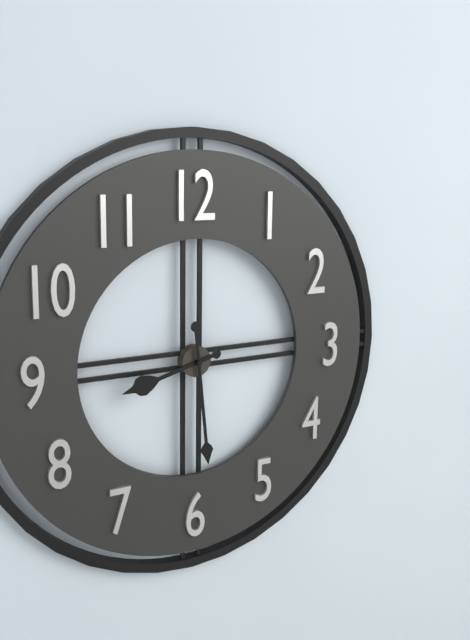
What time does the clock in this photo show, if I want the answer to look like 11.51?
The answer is 8.29
